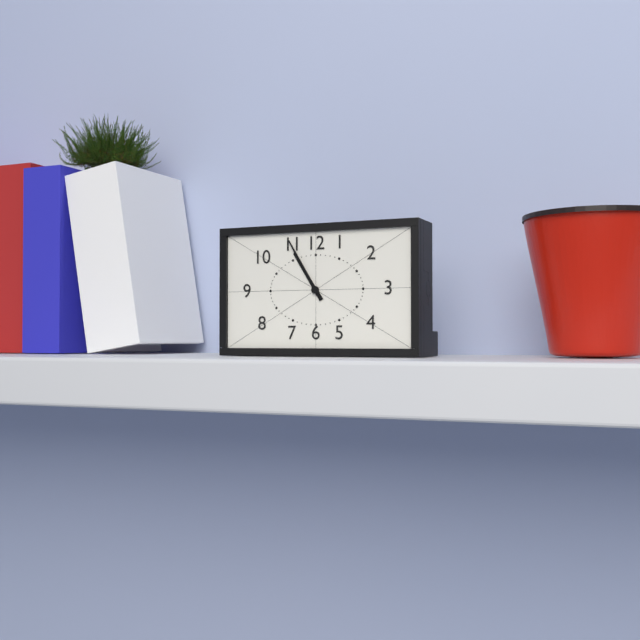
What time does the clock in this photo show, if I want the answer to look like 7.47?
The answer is 10.55
